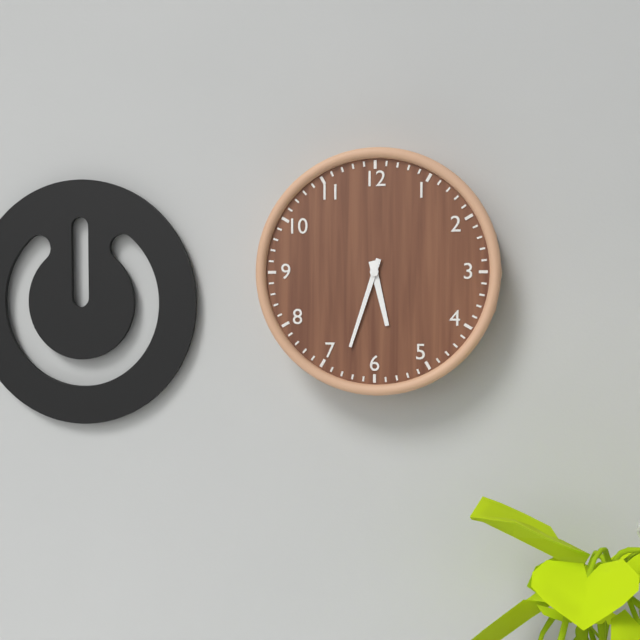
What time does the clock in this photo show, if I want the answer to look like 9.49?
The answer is 5.33
